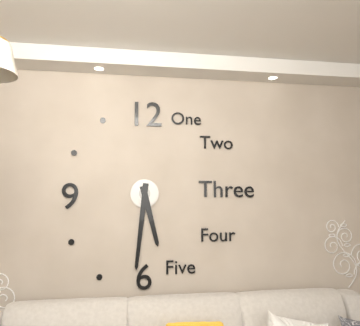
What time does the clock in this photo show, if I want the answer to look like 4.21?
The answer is 5.31
